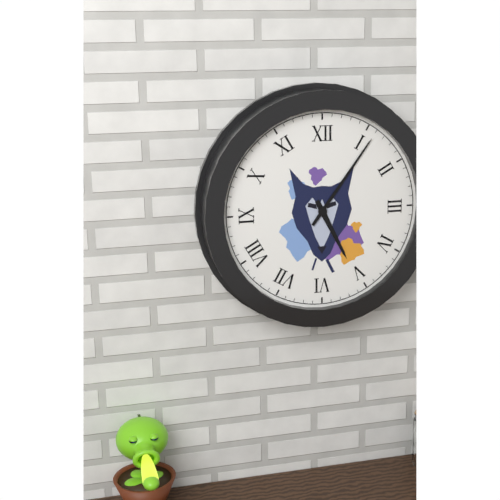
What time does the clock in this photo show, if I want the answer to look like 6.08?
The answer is 5.06
